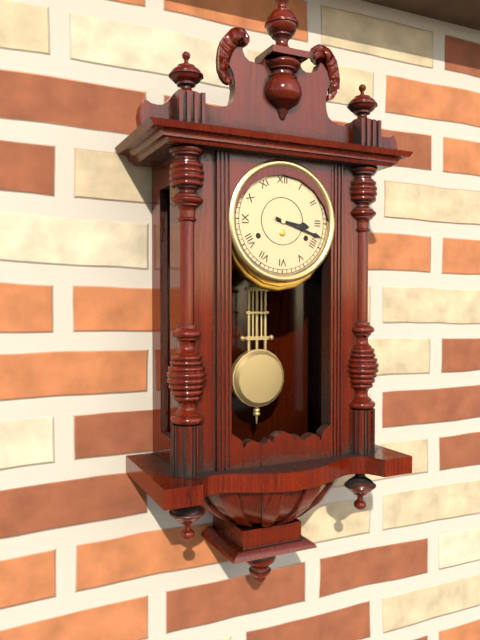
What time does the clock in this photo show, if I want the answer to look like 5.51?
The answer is 3.18
